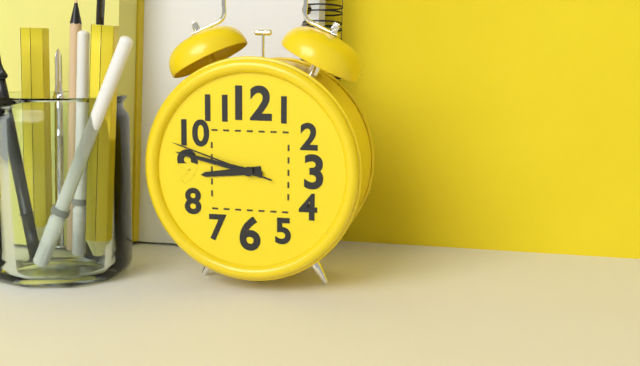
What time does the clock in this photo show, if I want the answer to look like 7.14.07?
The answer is 8.47.48
